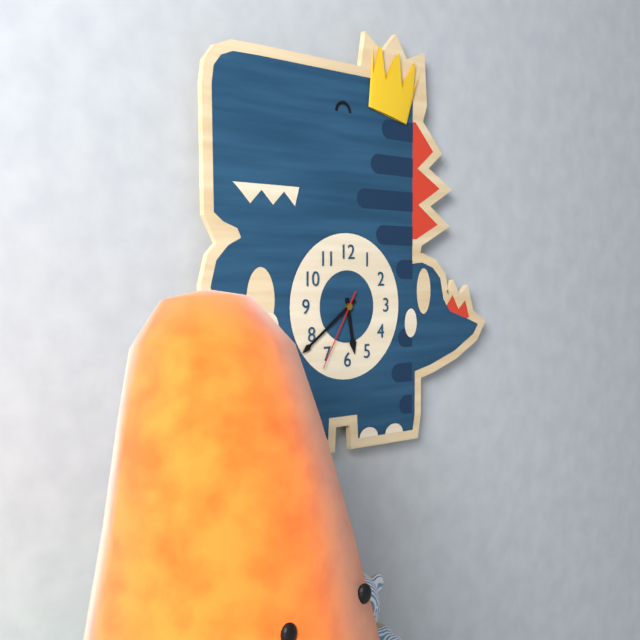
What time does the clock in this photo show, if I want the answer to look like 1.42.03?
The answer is 5.39.35
